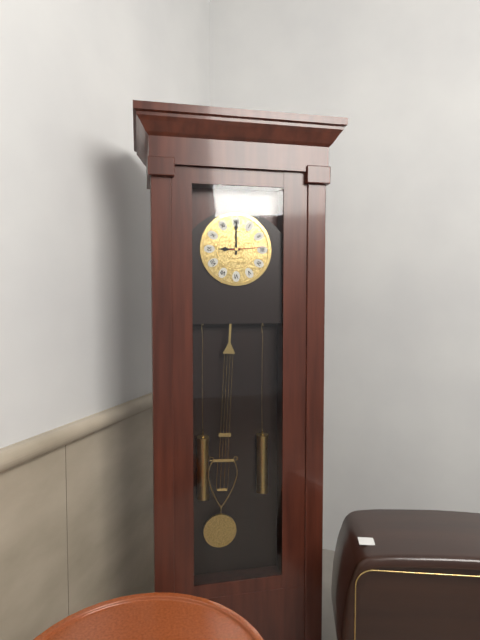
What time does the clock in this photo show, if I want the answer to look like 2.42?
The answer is 9.00
